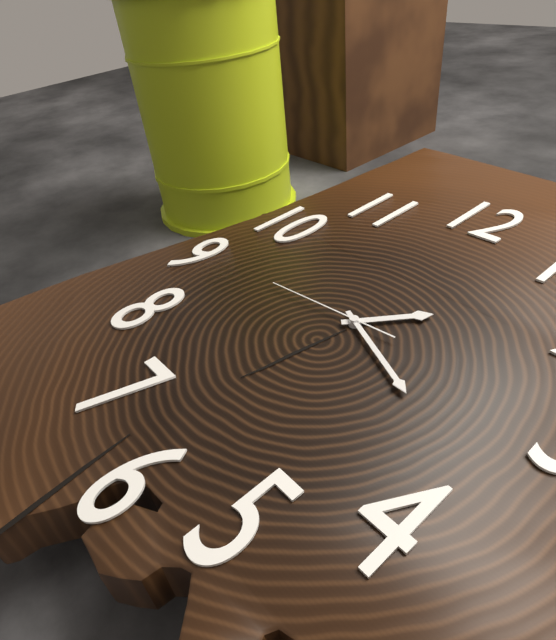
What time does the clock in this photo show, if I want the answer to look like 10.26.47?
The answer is 1.19.44
